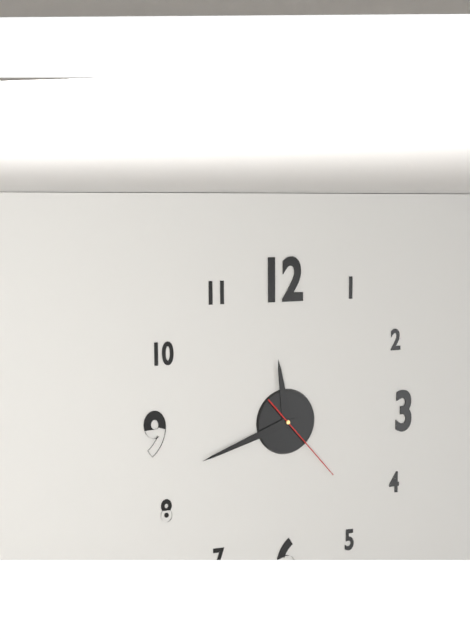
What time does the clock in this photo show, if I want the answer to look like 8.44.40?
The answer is 11.42.23
